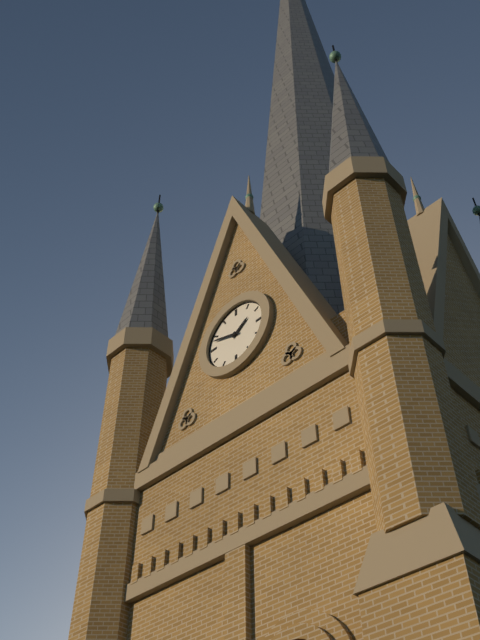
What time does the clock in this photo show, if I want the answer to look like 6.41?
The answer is 1.48
